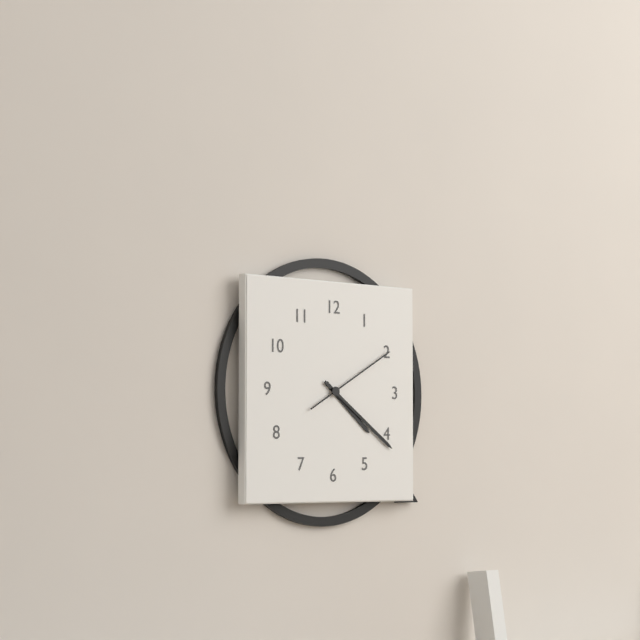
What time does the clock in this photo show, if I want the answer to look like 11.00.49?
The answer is 4.21.10
